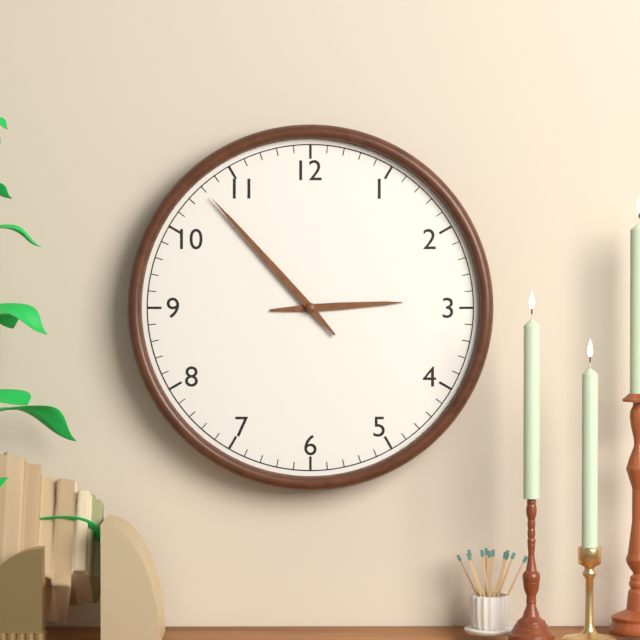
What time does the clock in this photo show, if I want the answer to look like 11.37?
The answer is 2.53
